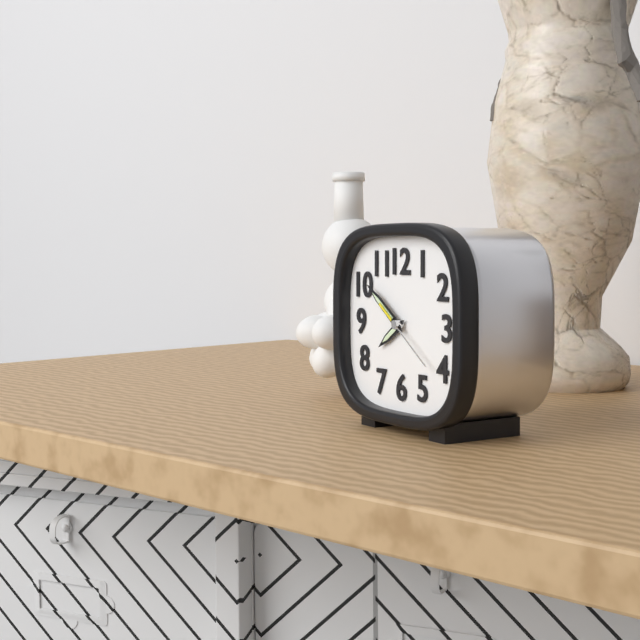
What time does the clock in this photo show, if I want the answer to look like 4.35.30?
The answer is 7.51.21
